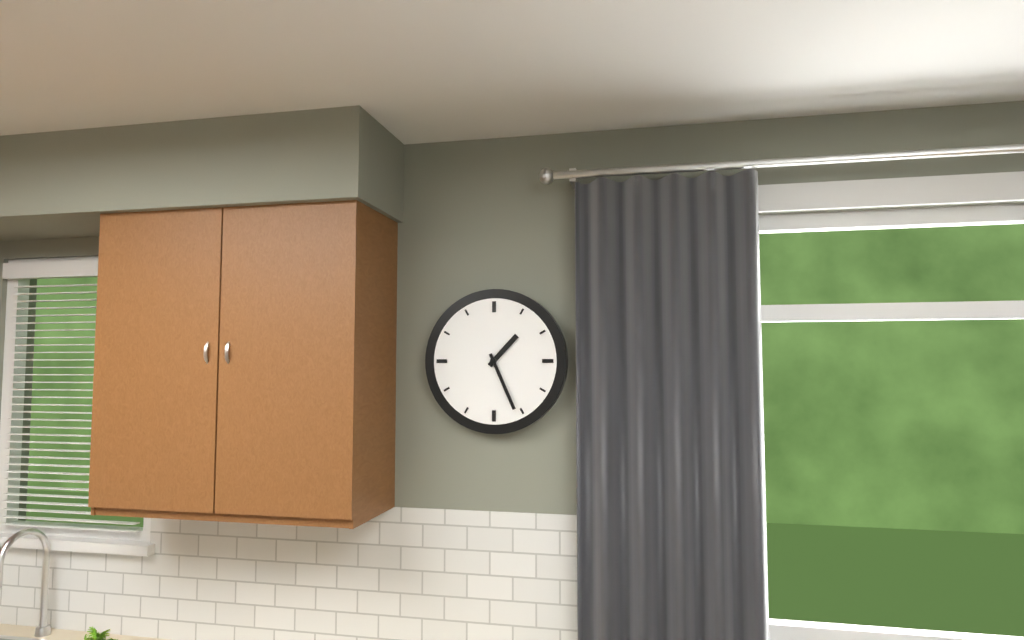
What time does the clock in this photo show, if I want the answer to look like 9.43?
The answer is 1.26
